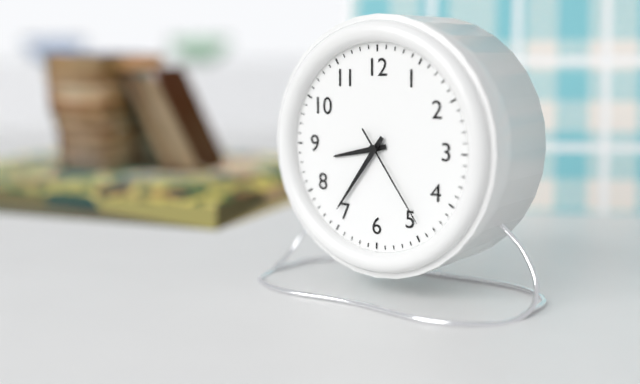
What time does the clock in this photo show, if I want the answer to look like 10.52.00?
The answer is 8.36.24
